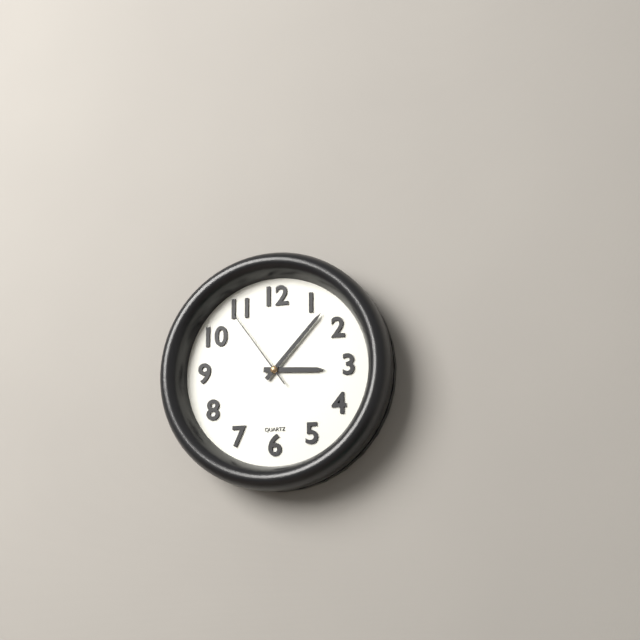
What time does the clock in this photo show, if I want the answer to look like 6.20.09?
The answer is 3.07.54
